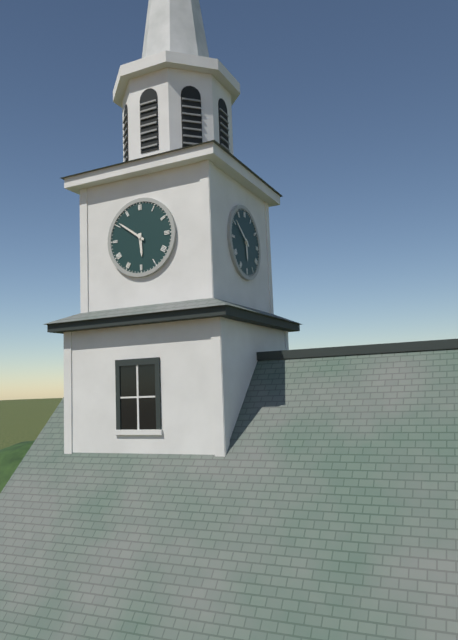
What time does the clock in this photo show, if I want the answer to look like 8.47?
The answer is 5.51
